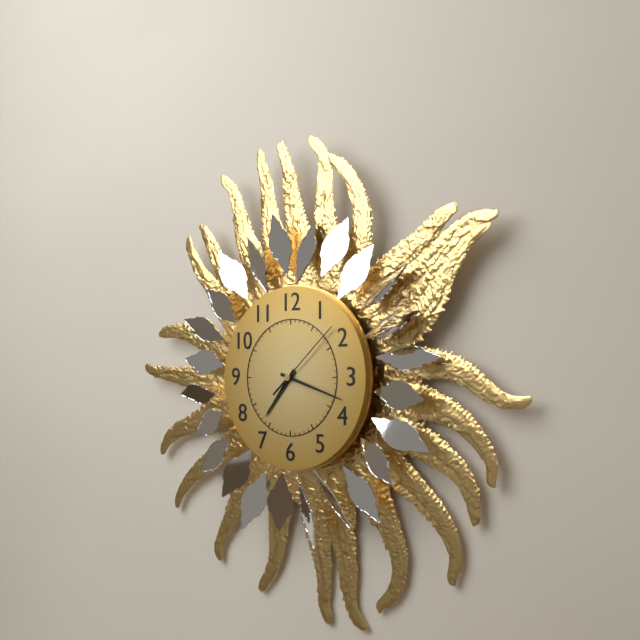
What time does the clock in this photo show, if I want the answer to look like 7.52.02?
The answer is 7.18.08
